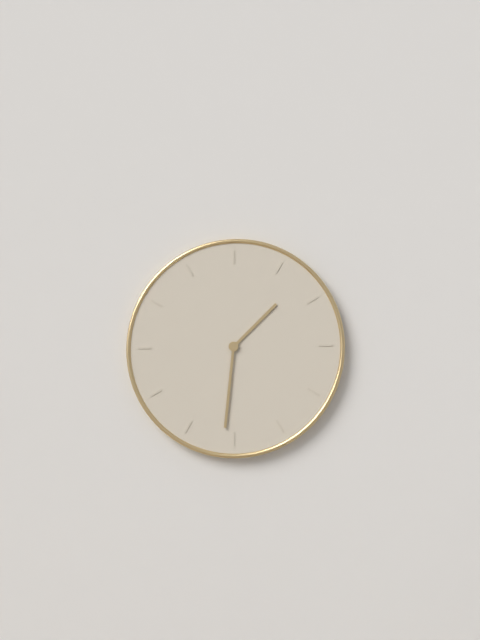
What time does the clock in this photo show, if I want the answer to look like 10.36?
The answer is 1.31
